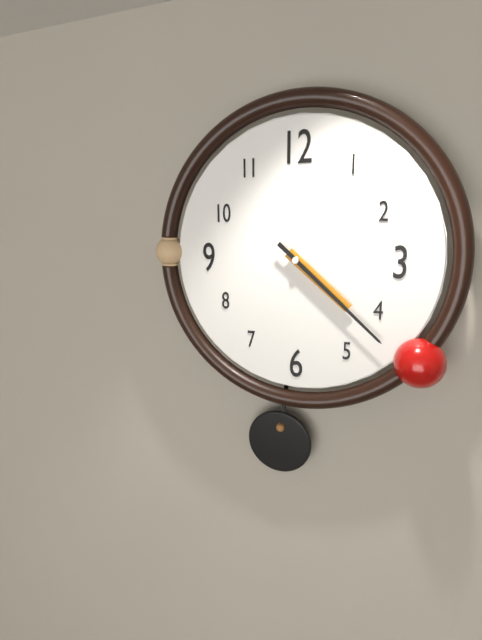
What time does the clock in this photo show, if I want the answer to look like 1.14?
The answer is 4.22
